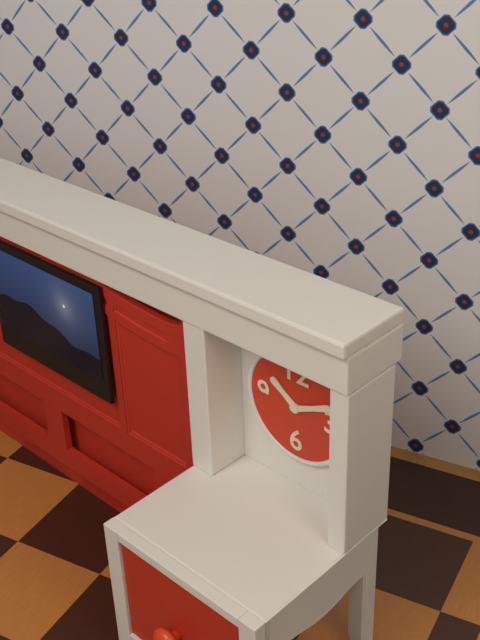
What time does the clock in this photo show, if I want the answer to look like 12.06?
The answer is 10.11
